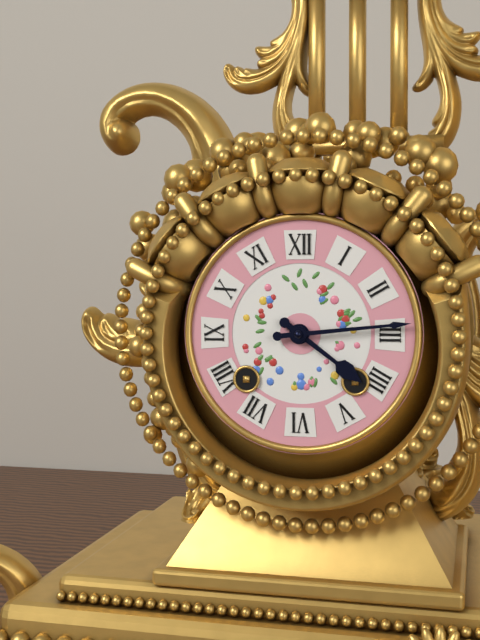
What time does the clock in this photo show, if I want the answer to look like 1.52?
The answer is 4.14
